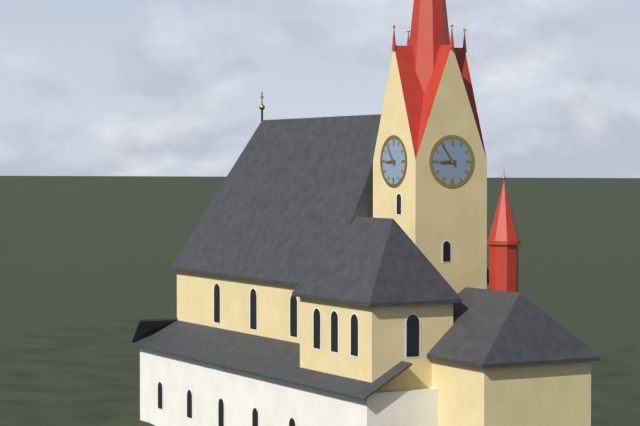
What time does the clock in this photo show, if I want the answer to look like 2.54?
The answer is 8.54
